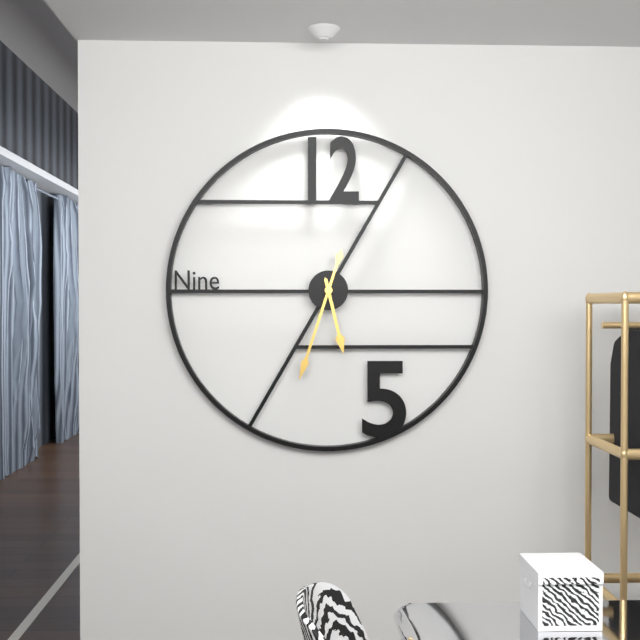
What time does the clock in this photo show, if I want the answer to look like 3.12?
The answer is 5.33
